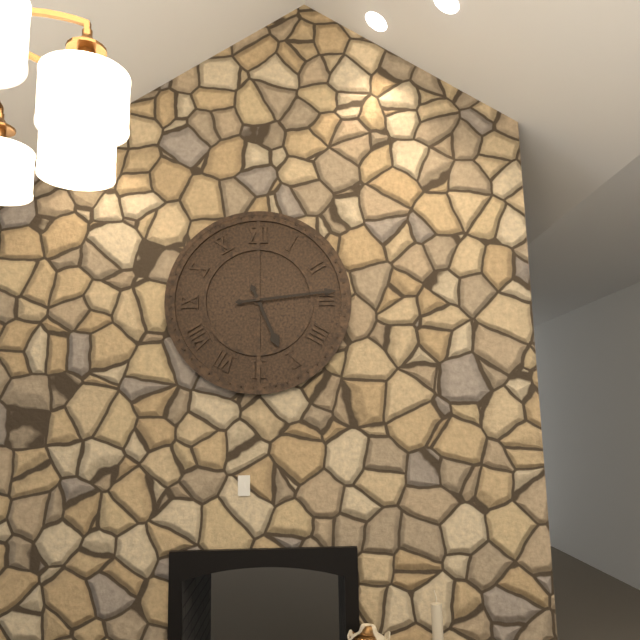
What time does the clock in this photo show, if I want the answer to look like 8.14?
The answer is 5.14
